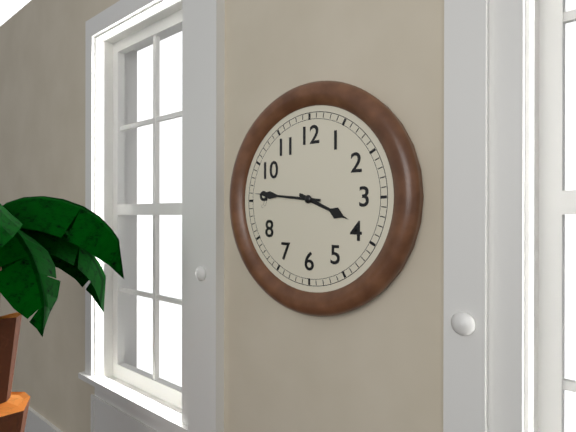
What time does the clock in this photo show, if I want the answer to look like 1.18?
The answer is 3.46
